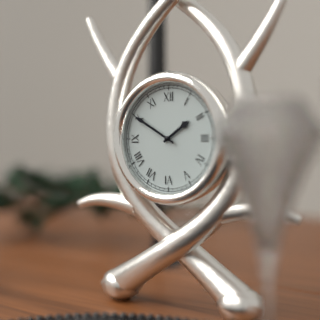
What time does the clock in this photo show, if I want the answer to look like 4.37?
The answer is 1.50
